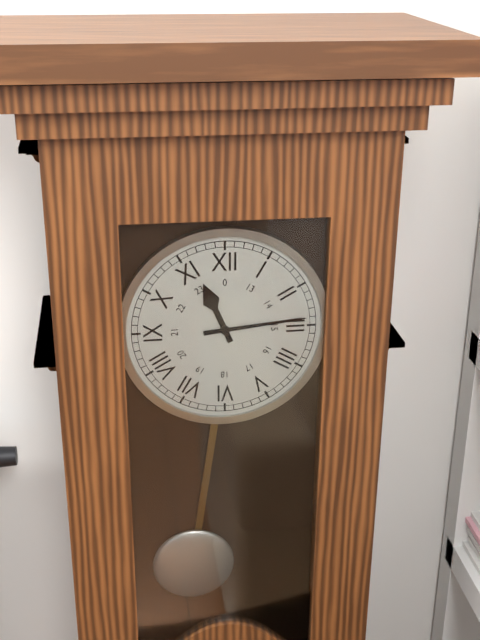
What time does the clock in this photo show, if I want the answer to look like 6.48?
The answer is 11.14
